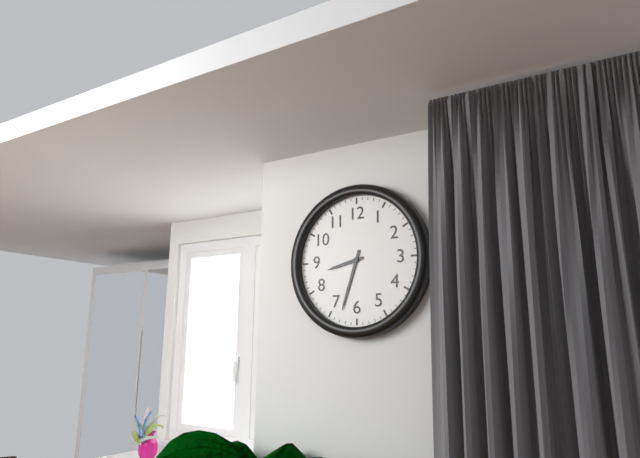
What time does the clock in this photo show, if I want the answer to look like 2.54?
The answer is 8.33
